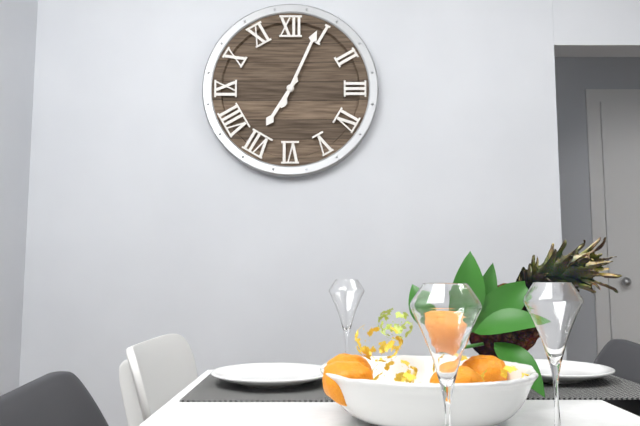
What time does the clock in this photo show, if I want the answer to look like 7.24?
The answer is 7.04
